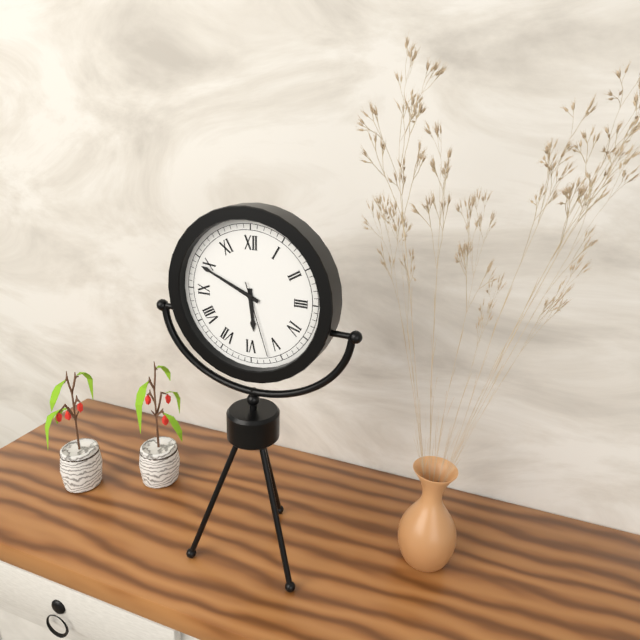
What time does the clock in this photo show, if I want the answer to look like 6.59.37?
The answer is 5.49.27
